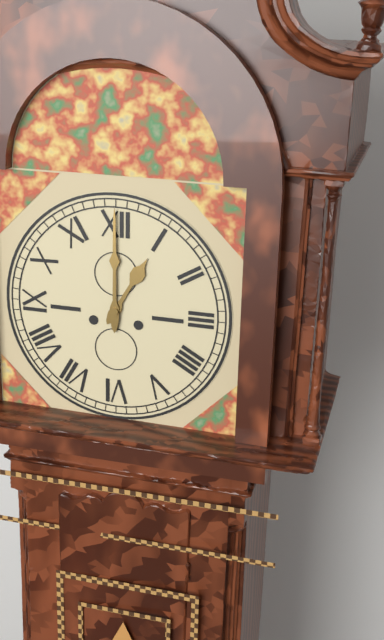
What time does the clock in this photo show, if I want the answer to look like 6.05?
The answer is 1.00
